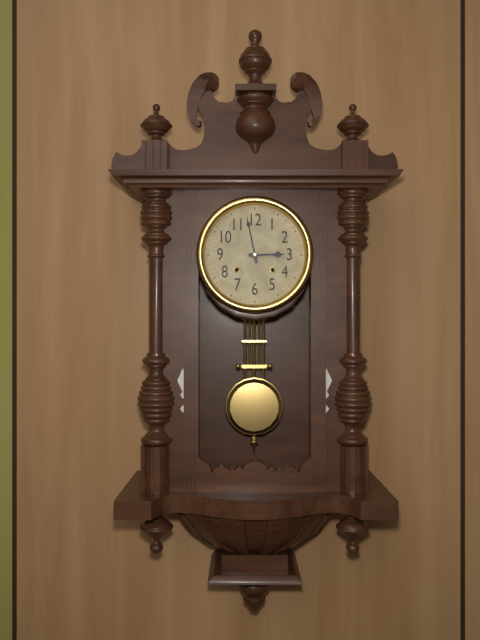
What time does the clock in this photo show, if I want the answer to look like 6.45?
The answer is 2.58
